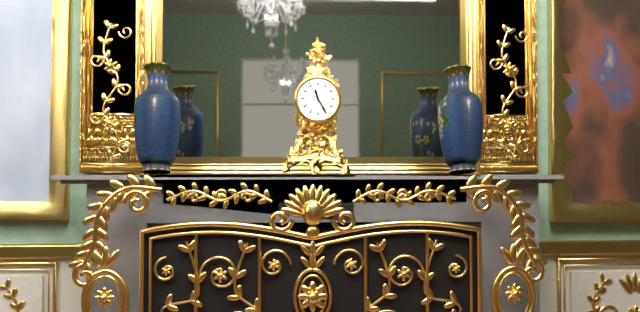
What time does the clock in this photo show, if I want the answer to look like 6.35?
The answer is 11.25
